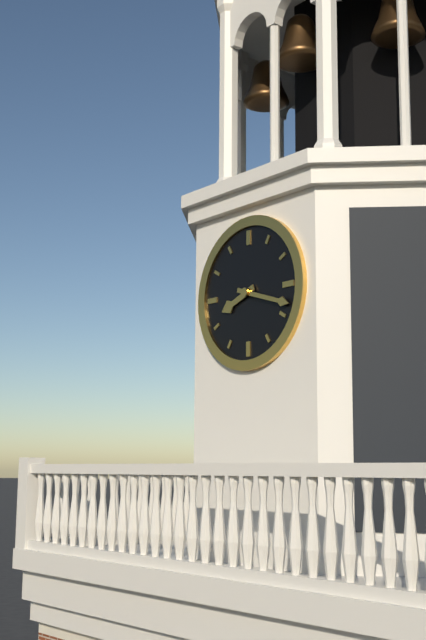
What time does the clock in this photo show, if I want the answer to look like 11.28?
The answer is 8.18
